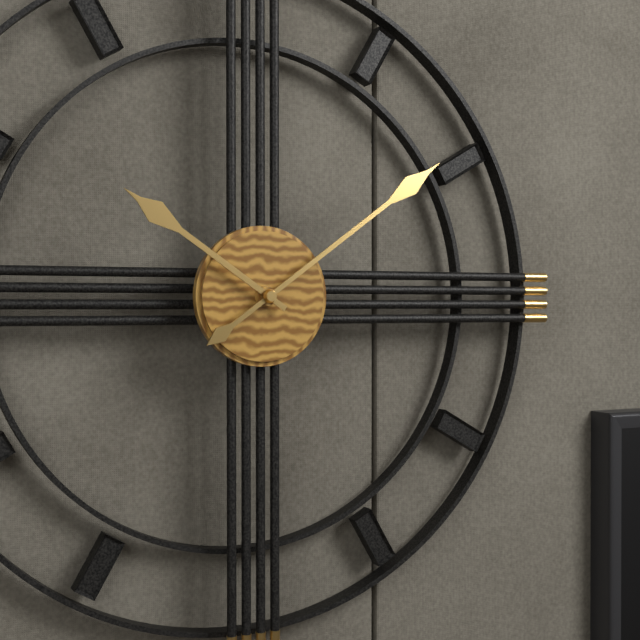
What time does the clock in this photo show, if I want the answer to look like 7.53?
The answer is 10.09
